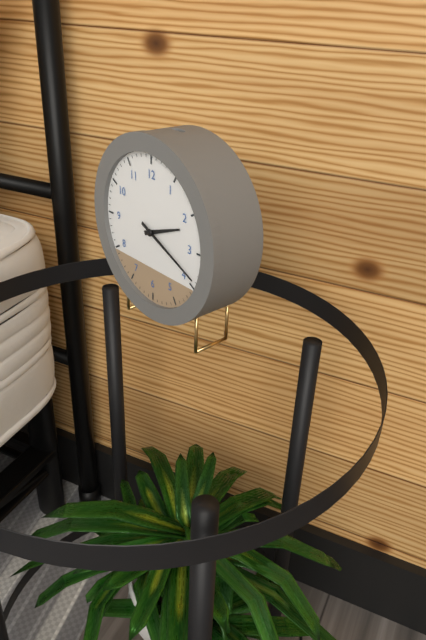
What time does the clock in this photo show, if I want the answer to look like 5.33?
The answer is 2.19
